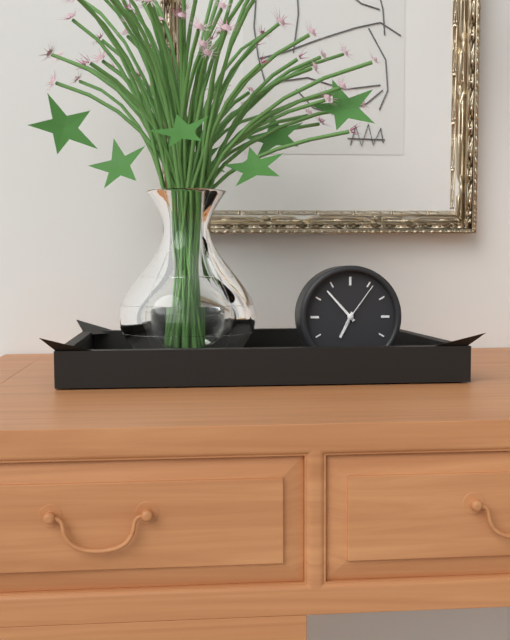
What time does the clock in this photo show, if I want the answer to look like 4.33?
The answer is 6.53
